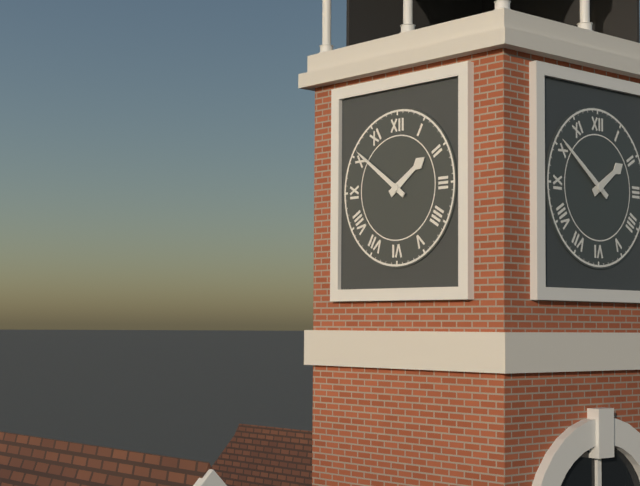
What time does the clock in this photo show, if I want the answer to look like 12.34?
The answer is 1.51
